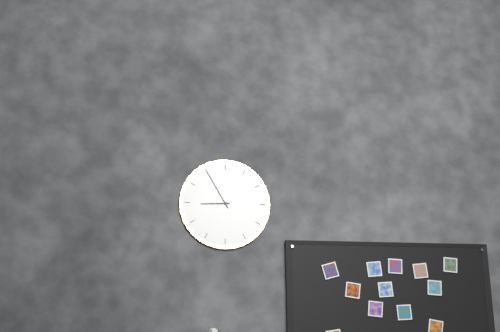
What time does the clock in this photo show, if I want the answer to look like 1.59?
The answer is 8.55
